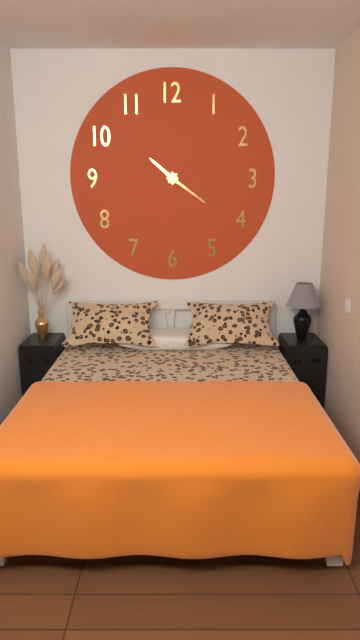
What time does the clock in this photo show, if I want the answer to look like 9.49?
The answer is 10.21
